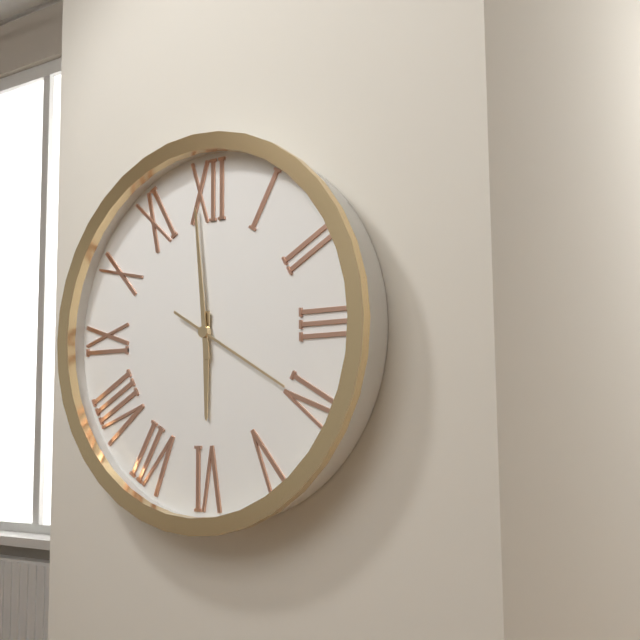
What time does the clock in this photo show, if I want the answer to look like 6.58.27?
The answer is 5.59.20
